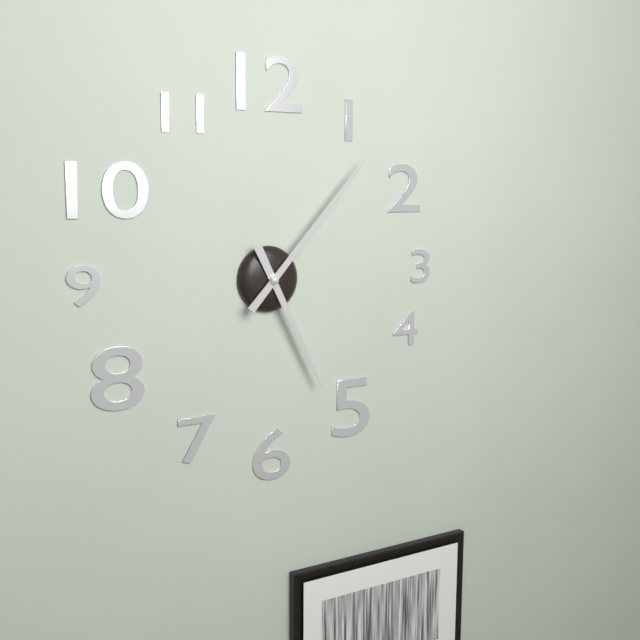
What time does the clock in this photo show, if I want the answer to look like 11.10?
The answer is 5.07
